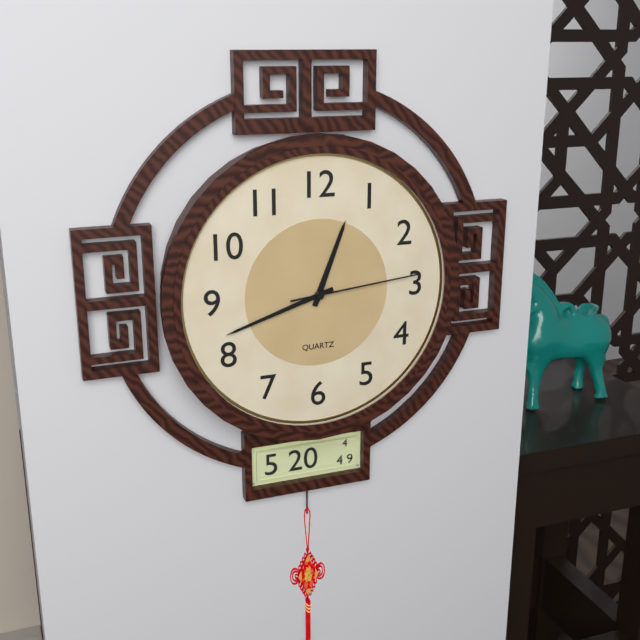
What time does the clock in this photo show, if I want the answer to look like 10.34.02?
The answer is 12.42.14
